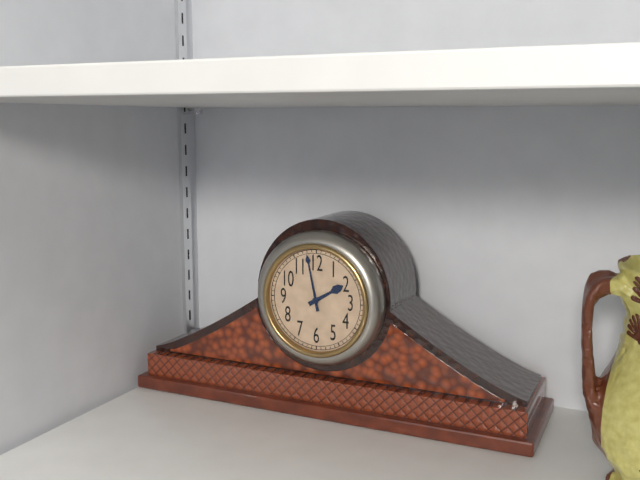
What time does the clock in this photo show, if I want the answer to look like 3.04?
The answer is 1.58
